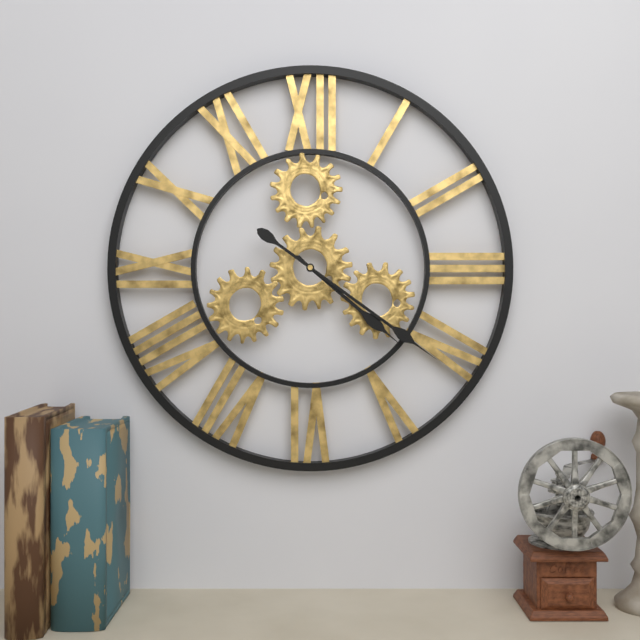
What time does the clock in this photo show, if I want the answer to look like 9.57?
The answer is 4.21
